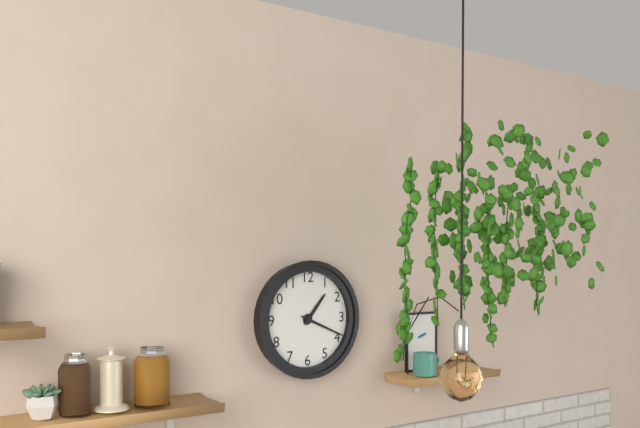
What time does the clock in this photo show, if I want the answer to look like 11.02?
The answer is 1.19
